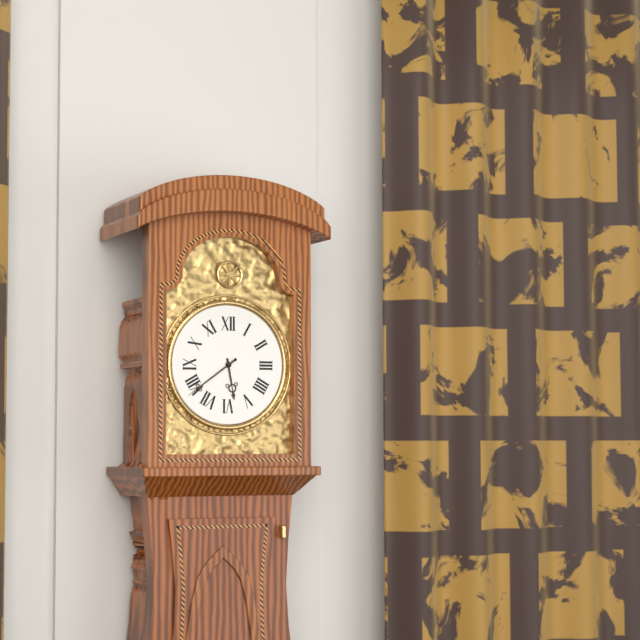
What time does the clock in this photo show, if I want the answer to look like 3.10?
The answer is 5.39
